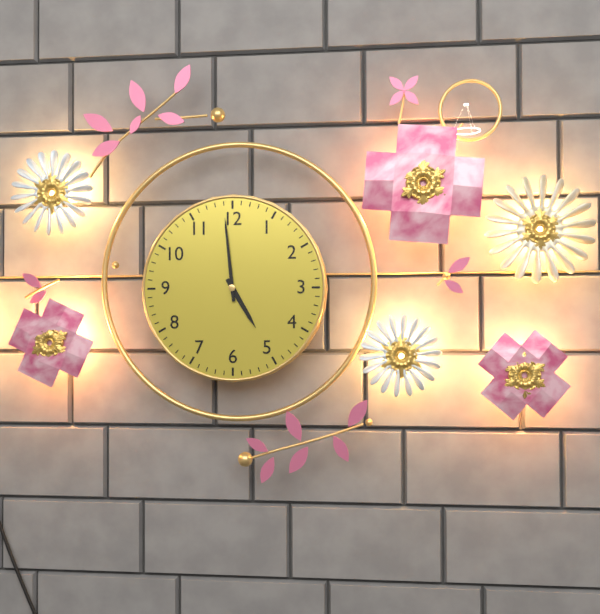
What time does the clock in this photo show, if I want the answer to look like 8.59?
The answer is 4.59
